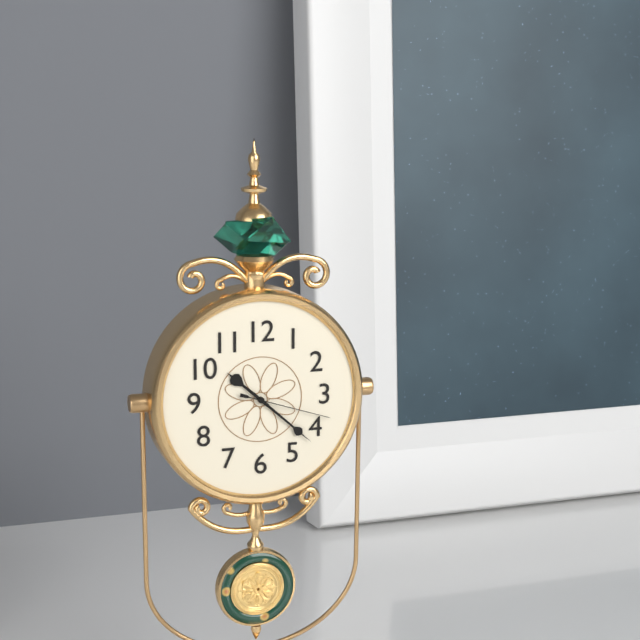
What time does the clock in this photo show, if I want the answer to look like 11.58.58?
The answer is 10.22.18
